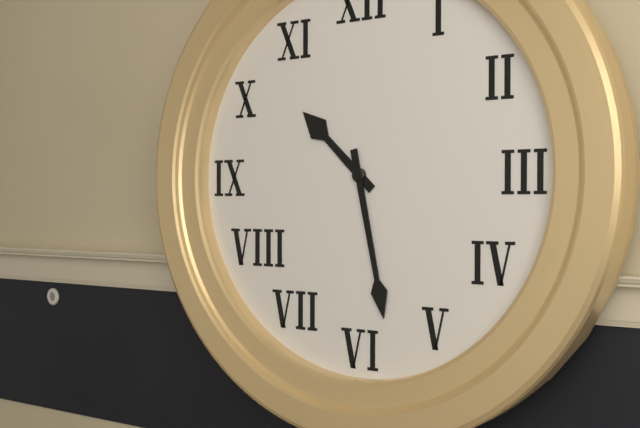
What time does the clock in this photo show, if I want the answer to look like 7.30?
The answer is 10.28
